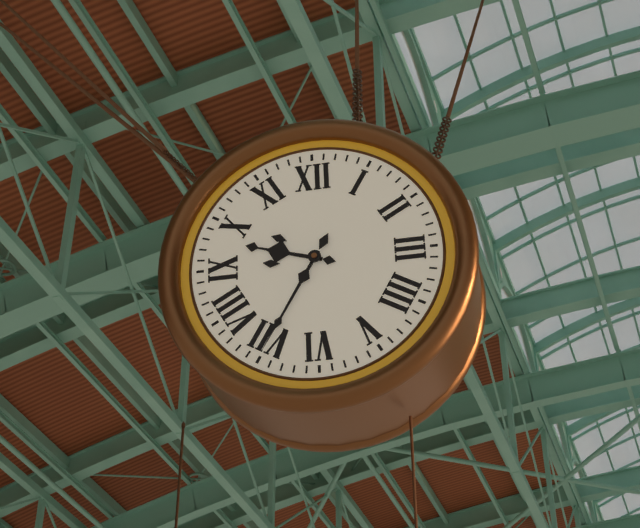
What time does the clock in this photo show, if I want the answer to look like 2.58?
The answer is 9.35
